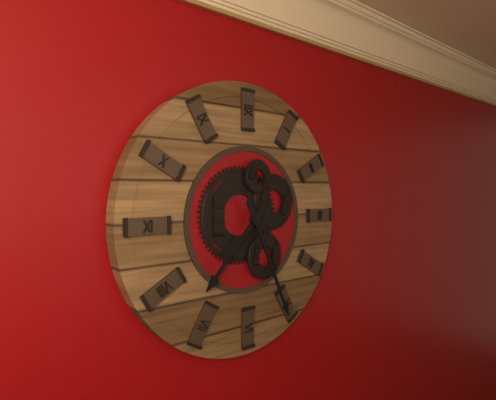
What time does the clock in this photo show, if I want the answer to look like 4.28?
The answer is 7.26
